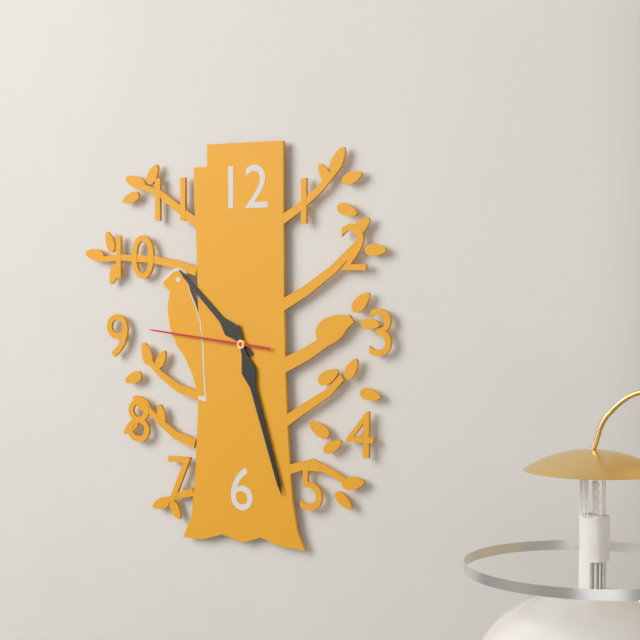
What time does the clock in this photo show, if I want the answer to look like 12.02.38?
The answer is 10.27.46
